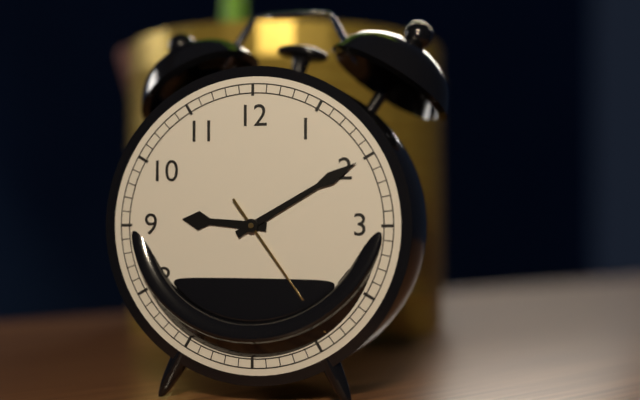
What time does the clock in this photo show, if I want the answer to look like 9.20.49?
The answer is 9.10.24
